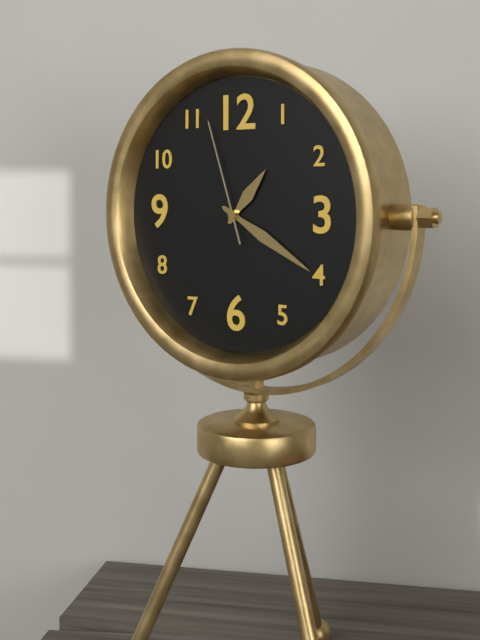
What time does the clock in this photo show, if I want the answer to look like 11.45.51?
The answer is 1.20.57
